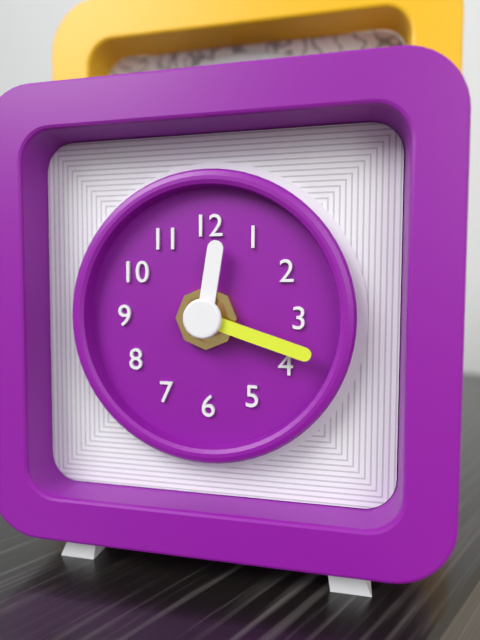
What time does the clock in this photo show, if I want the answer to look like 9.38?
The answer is 12.18
